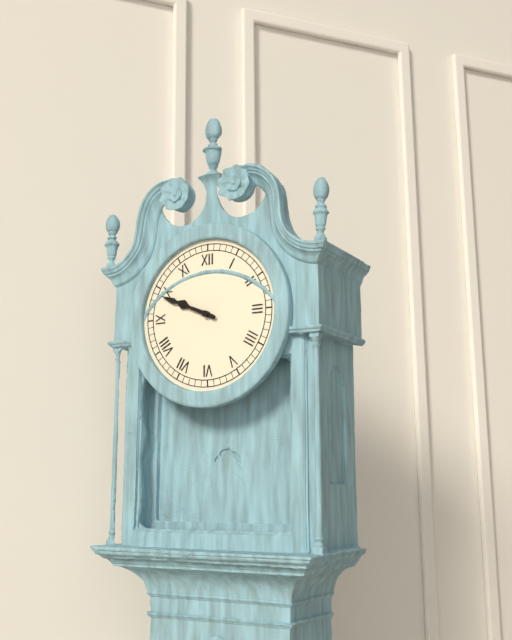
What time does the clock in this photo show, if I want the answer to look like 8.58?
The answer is 9.49
